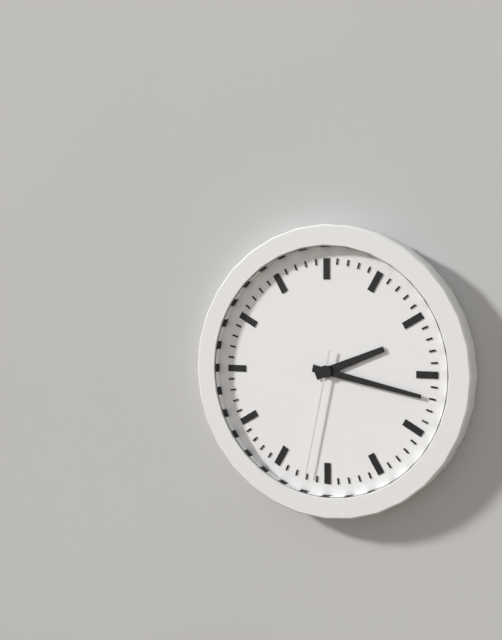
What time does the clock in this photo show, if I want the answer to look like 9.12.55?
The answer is 2.17.32
